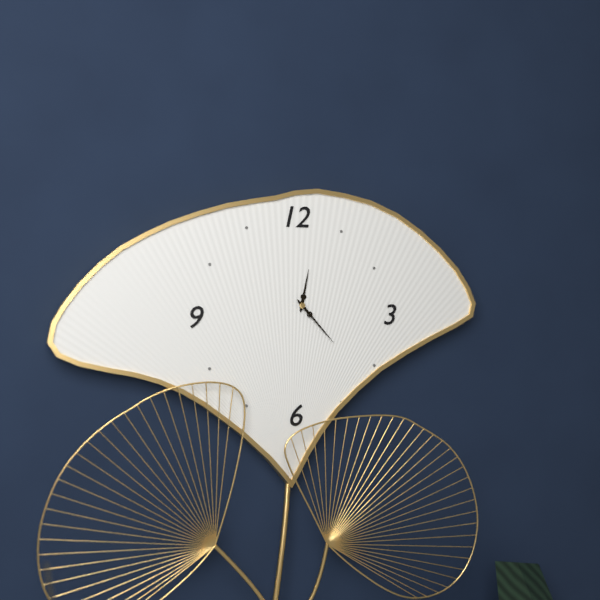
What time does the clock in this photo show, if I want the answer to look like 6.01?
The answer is 12.23
